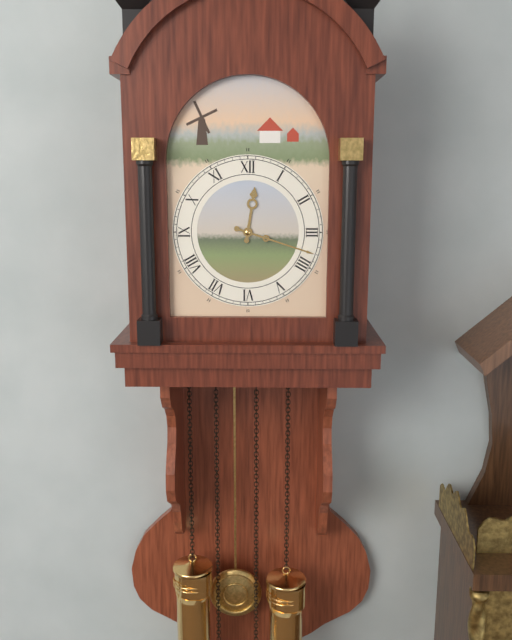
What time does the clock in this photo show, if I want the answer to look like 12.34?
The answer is 12.18
